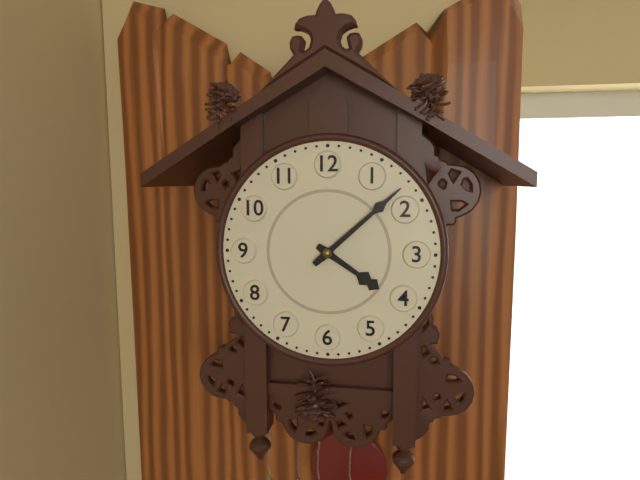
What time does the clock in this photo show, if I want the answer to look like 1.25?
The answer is 4.08
